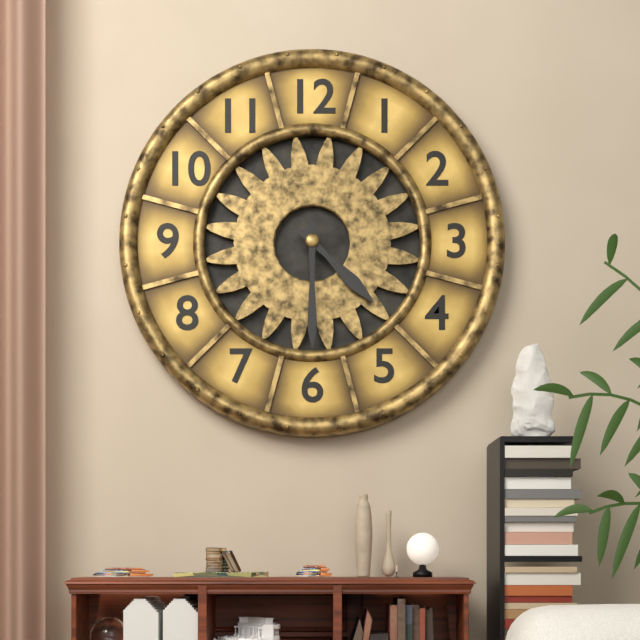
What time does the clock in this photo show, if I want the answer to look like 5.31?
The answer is 4.30
